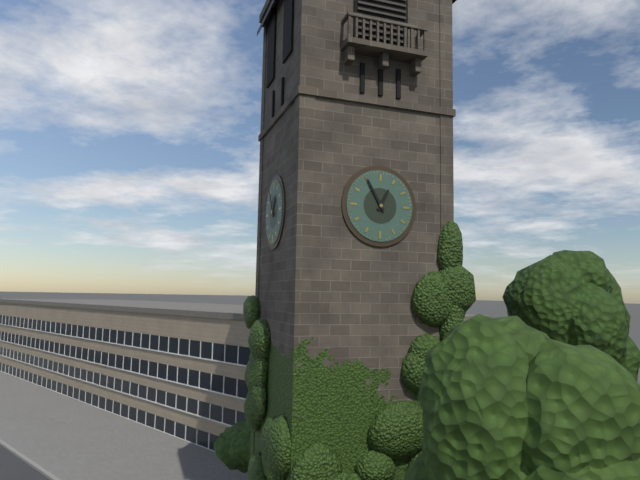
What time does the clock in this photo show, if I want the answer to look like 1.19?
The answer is 12.55
